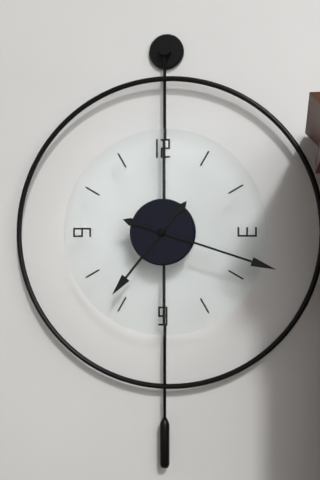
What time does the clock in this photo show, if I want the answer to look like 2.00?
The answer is 7.18
